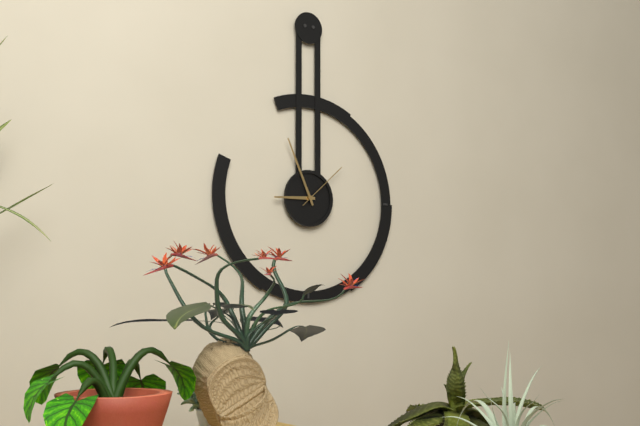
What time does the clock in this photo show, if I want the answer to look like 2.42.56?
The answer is 8.56.08
